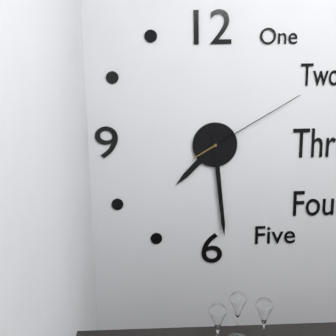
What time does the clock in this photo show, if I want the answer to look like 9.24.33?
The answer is 7.29.10
